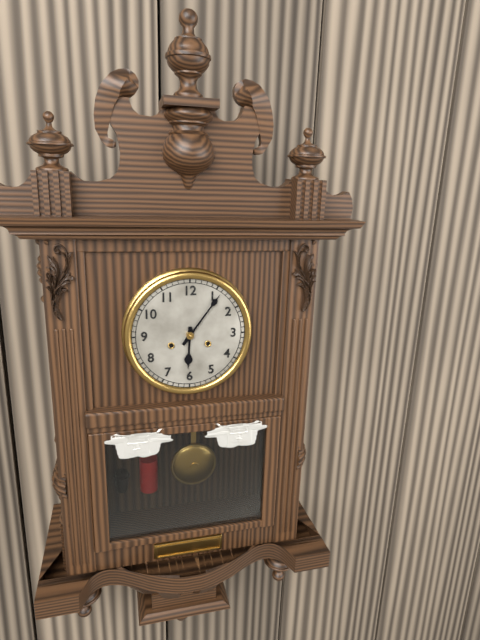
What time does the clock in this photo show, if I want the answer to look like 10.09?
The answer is 6.06
